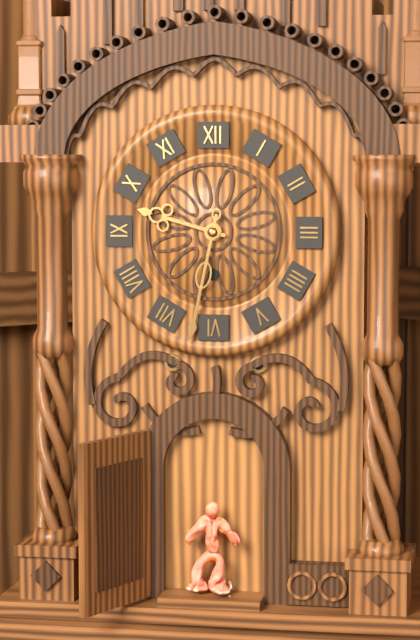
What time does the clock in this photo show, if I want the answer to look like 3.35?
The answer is 9.32
